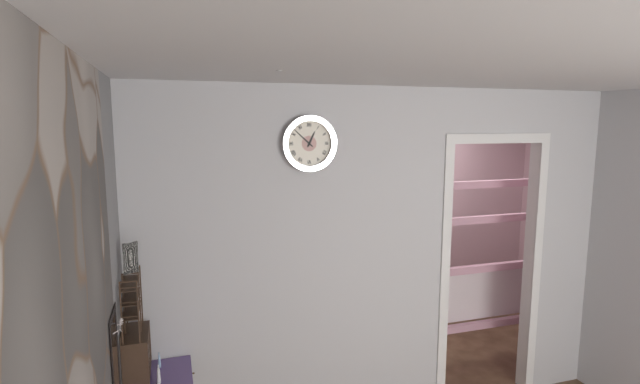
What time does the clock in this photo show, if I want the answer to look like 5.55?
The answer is 12.52
